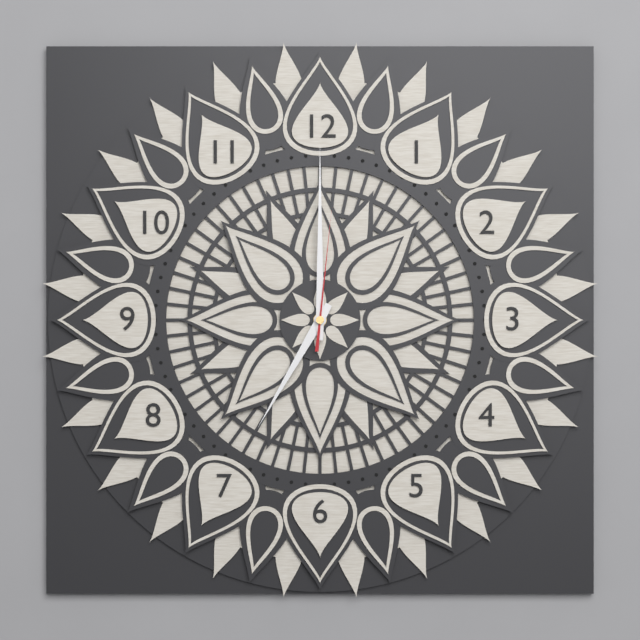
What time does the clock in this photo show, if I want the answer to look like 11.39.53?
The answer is 7.00.01
